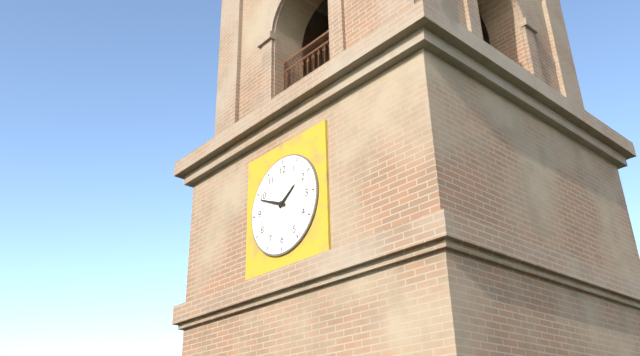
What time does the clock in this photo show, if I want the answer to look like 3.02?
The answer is 1.49
